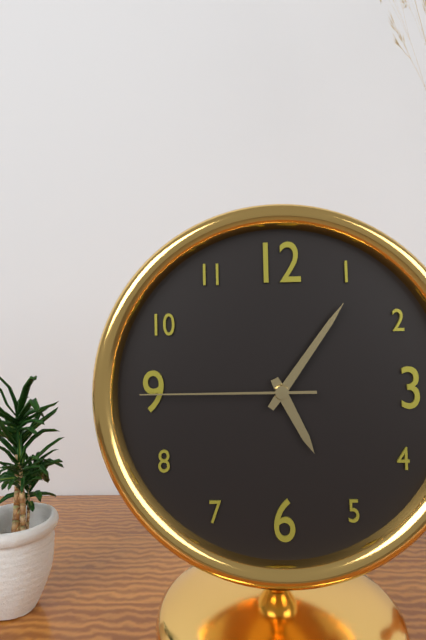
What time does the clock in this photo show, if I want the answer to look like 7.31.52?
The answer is 5.06.45
